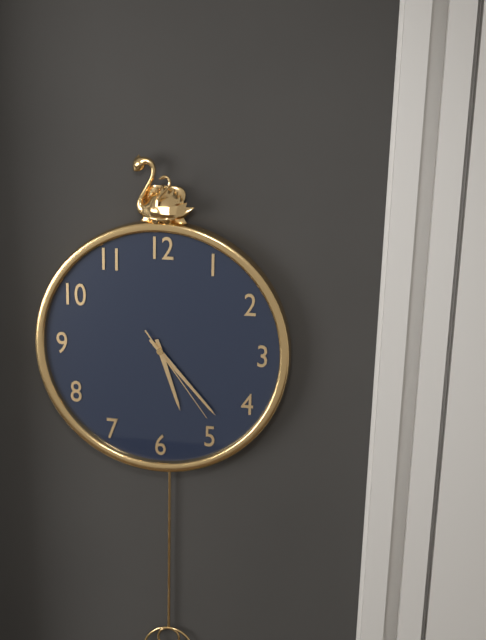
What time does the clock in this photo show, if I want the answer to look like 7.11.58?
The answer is 5.23.24
